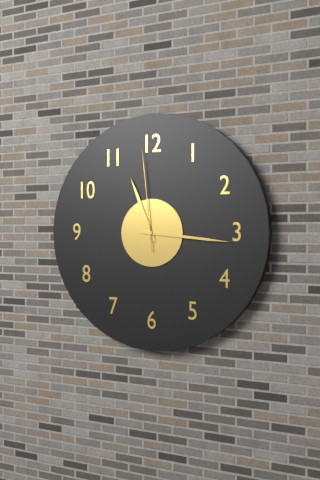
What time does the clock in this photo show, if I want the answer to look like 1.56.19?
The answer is 11.16.59
